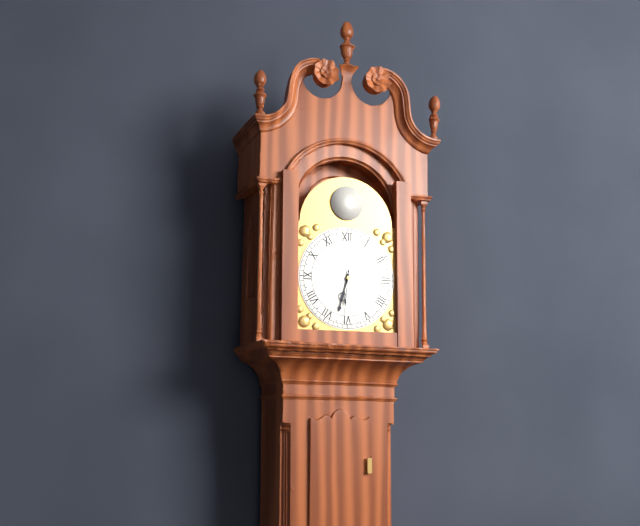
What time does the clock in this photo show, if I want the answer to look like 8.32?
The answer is 6.31
